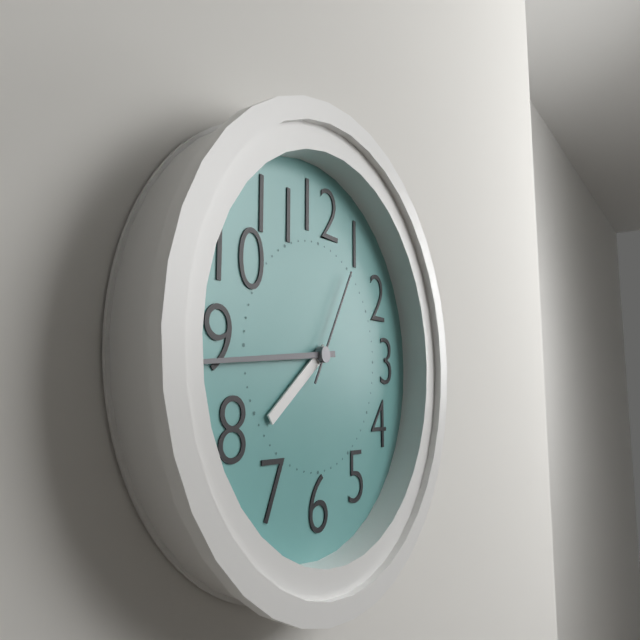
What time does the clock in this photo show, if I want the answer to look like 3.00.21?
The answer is 7.44.05
